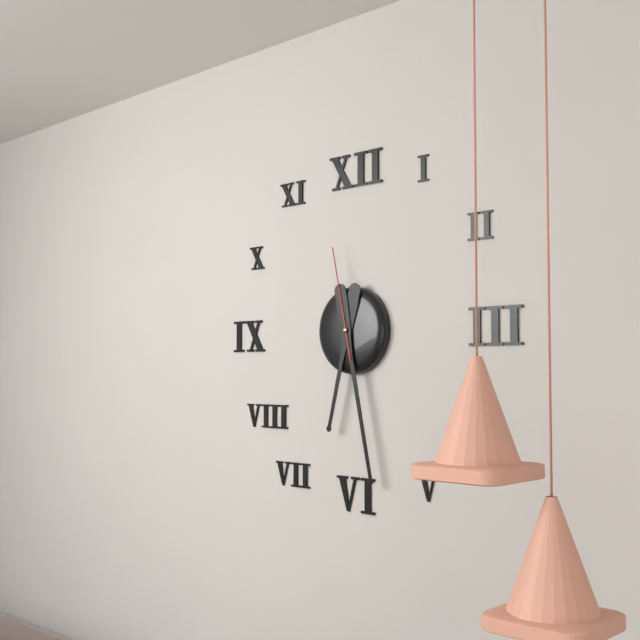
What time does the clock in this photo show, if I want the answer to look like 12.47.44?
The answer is 6.28.58
